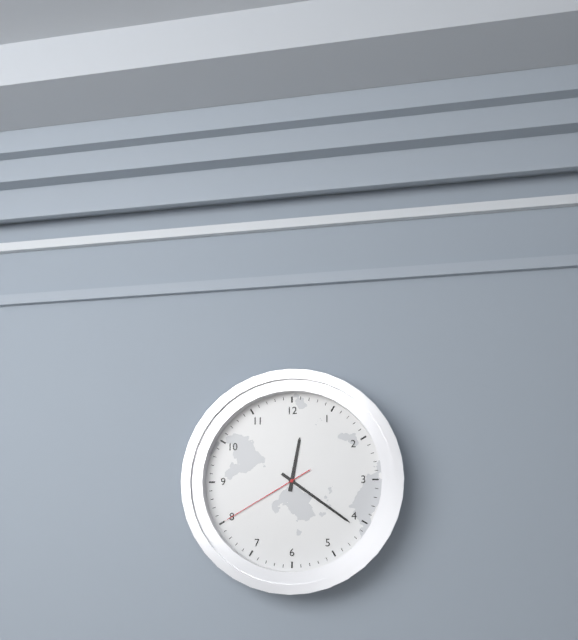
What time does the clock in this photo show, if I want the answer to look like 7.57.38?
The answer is 12.21.40
